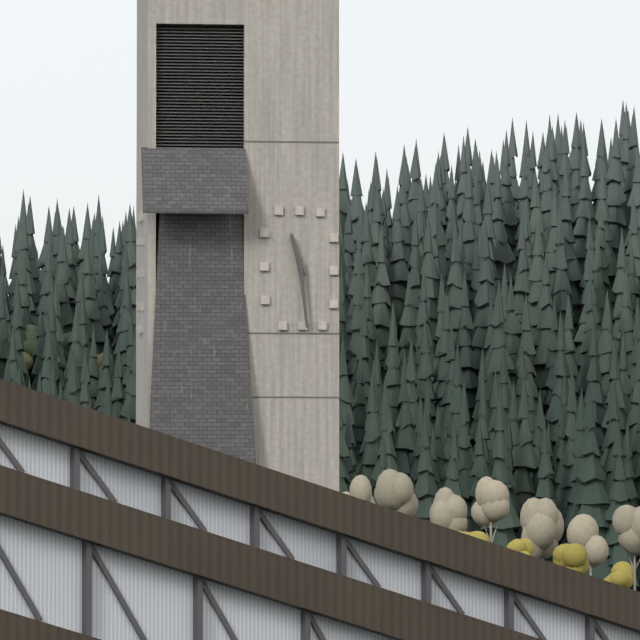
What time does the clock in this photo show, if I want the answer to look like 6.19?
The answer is 11.29
